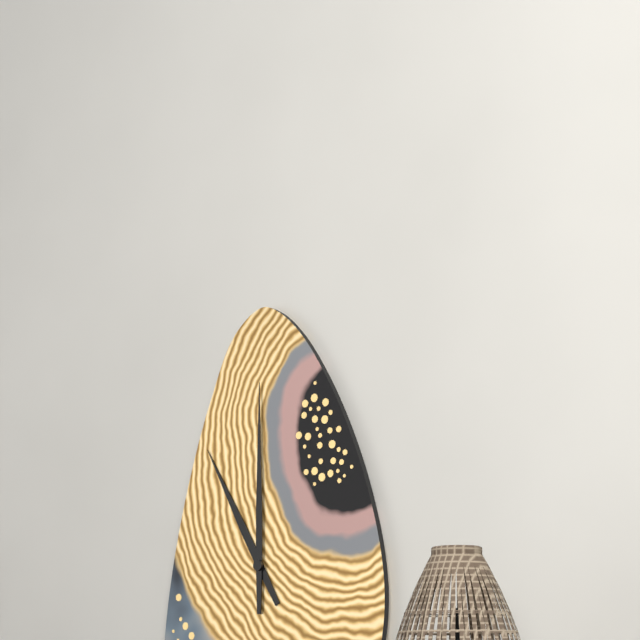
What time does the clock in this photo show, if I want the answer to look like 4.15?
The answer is 11.00
